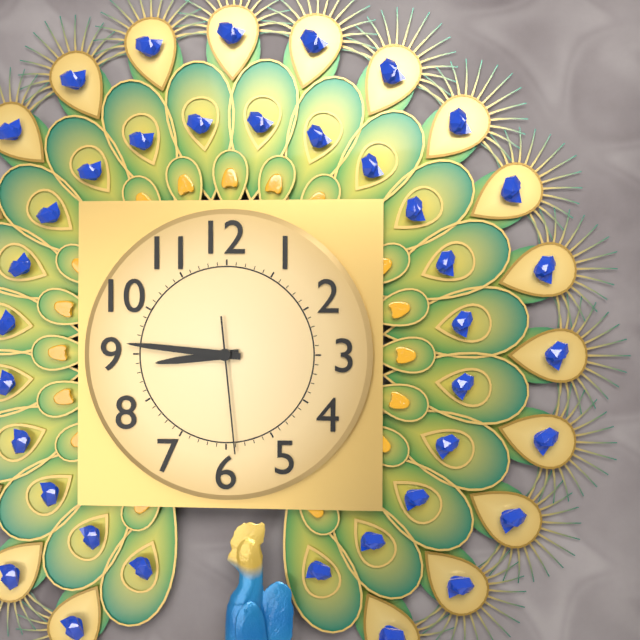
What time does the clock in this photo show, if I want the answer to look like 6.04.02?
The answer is 8.46.29
